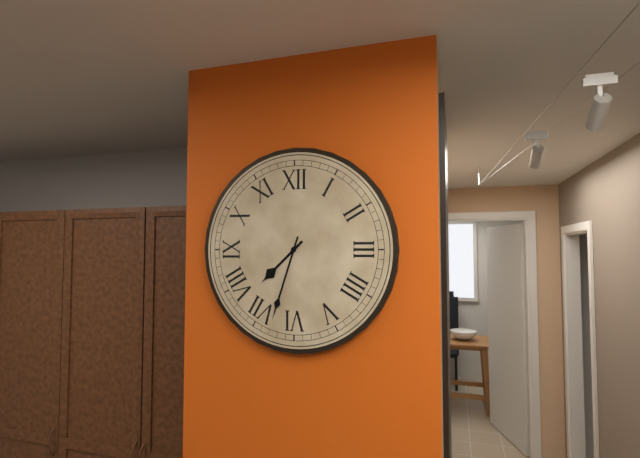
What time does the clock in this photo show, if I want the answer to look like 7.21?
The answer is 7.33
